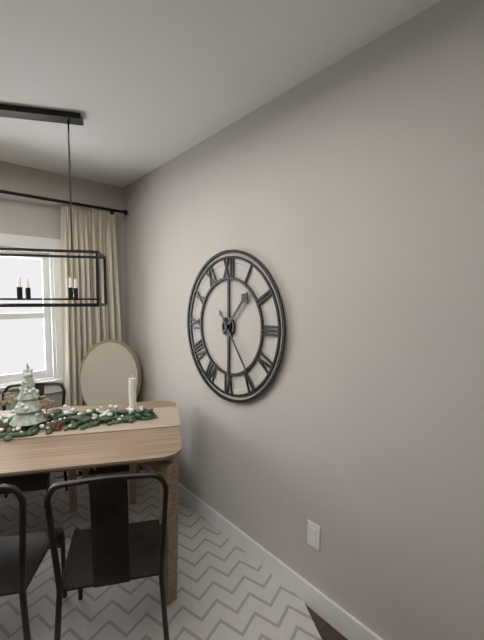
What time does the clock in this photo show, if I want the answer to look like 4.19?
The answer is 1.24
